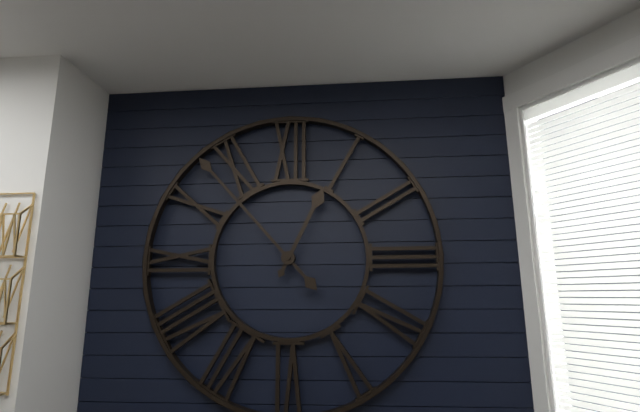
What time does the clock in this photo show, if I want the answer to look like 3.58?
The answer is 12.53
